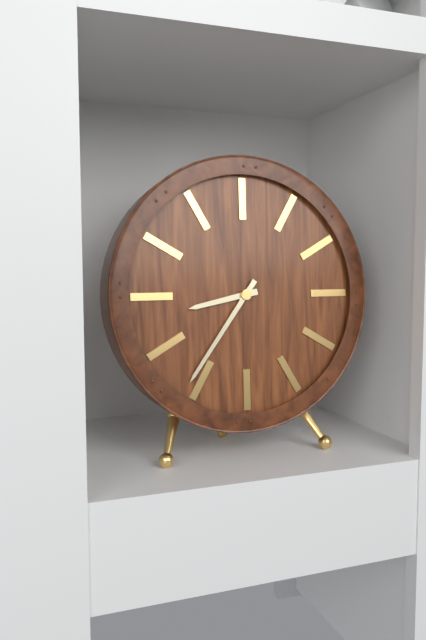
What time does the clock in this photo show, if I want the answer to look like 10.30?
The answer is 8.36
